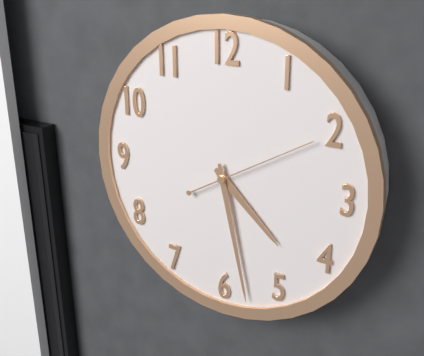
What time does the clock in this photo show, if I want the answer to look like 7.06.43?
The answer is 4.28.10
